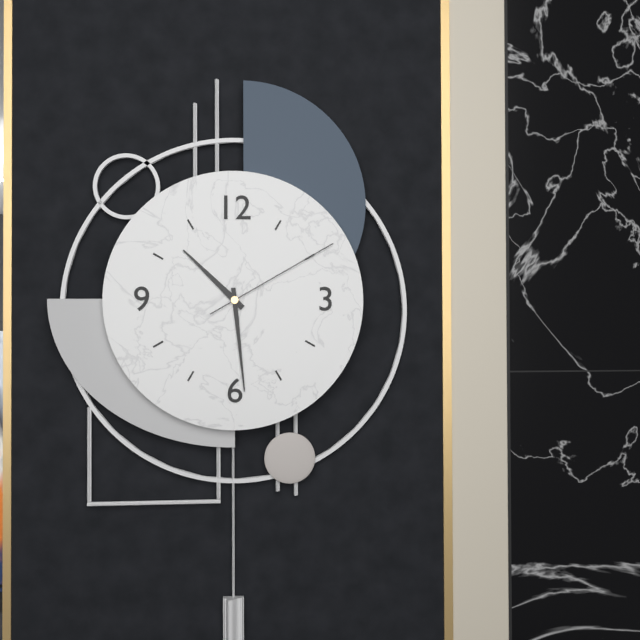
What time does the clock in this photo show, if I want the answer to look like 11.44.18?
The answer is 10.29.10
